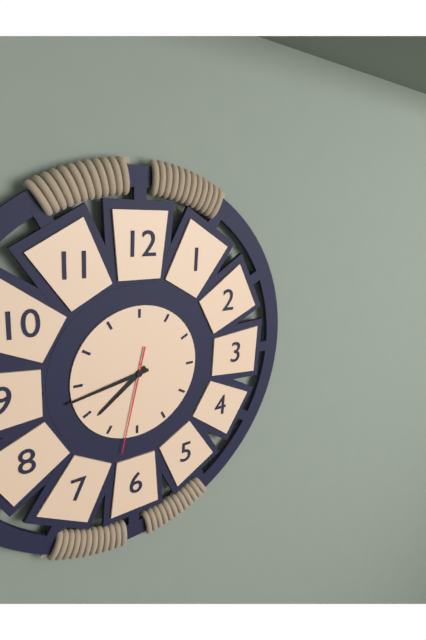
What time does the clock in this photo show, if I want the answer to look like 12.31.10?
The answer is 7.43.32
